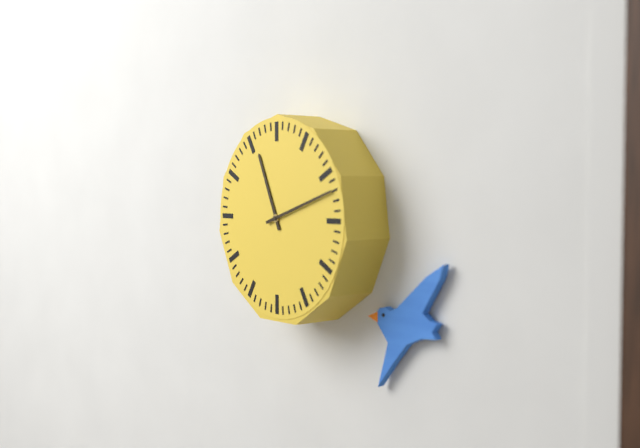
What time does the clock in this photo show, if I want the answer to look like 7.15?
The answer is 11.12
